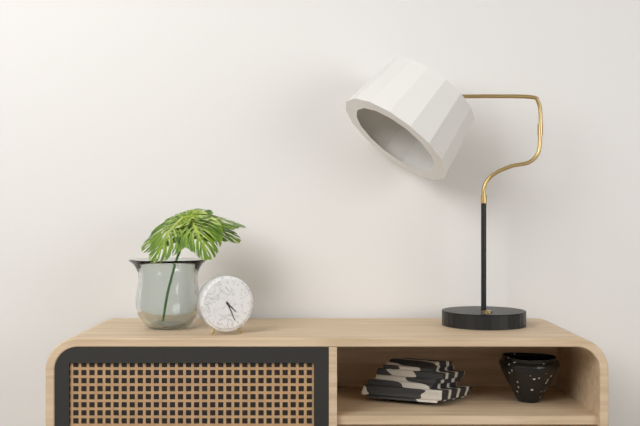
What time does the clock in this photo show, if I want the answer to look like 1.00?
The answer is 4.26
